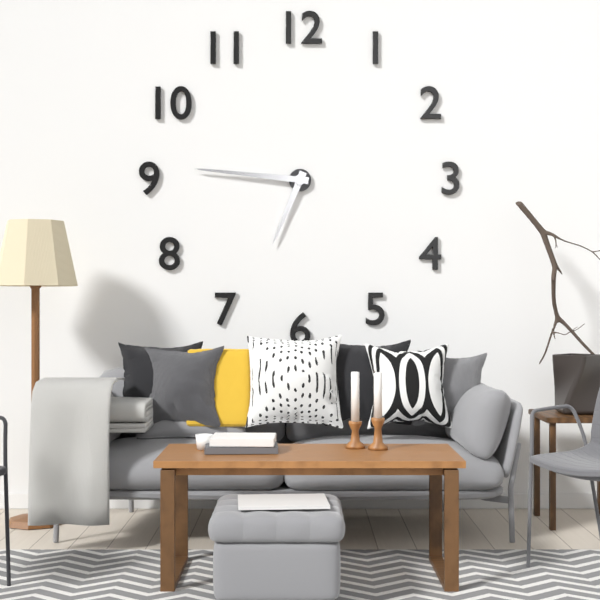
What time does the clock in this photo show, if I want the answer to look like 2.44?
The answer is 6.46
